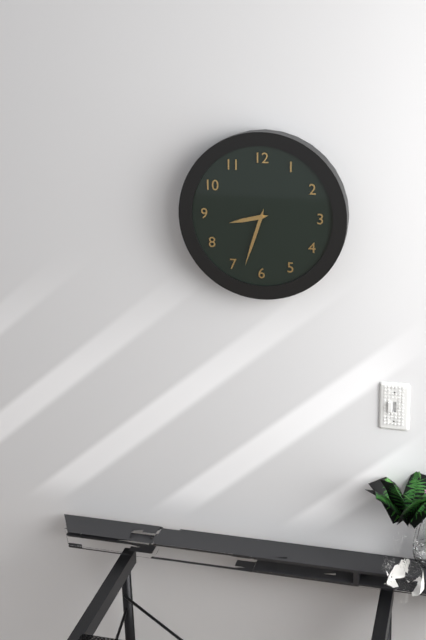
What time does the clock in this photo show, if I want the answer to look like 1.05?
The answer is 8.33
